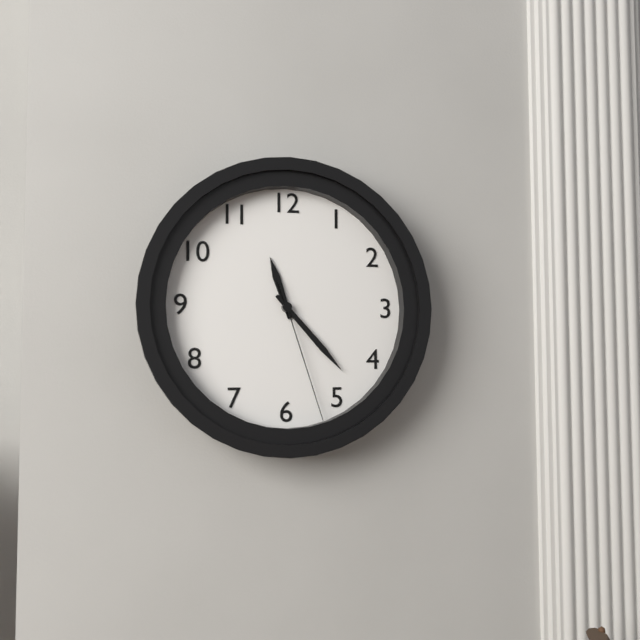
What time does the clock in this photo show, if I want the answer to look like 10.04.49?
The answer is 11.23.27
